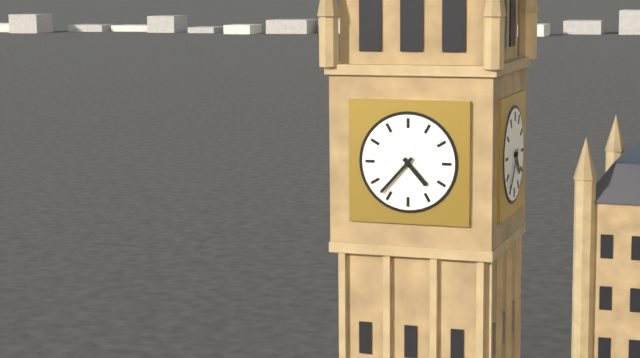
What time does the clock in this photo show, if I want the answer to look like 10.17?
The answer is 4.37
